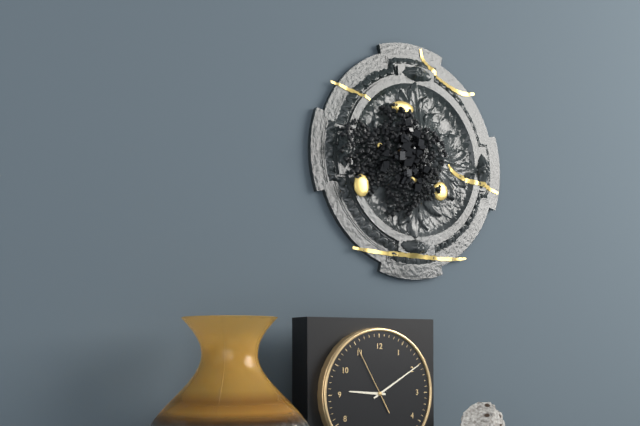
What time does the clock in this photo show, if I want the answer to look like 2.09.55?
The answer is 9.10.55
